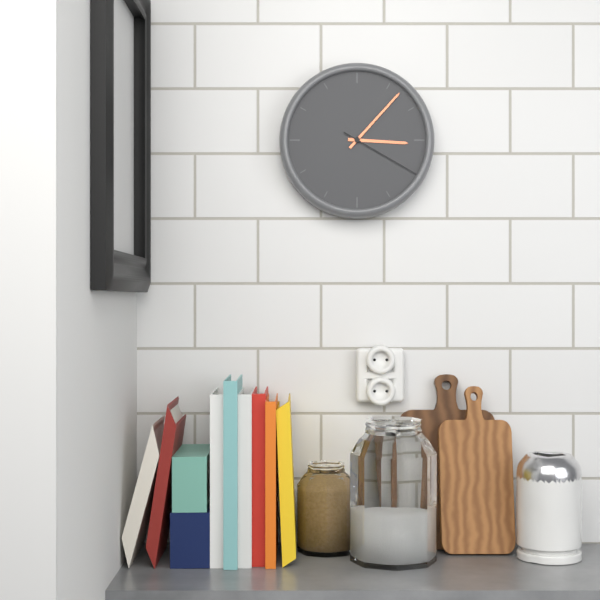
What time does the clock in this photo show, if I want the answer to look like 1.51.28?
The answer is 3.07.20
